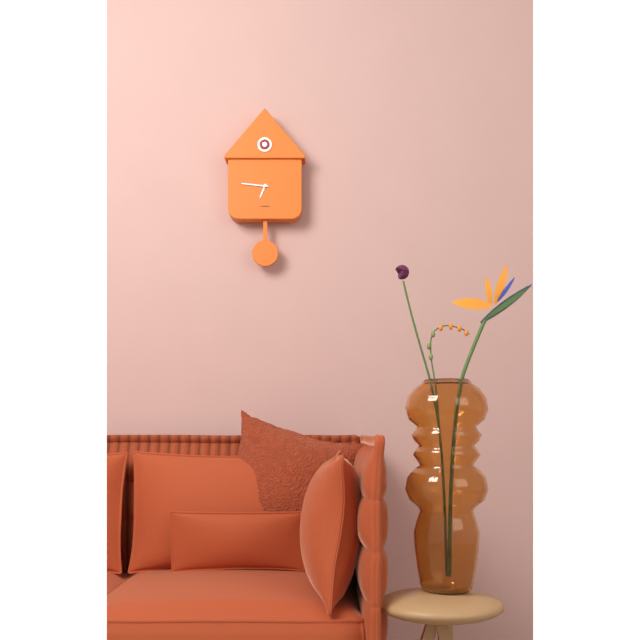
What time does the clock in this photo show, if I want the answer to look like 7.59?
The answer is 6.46
